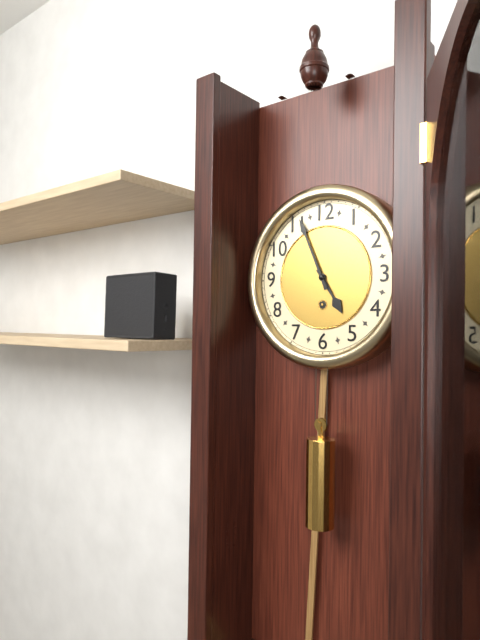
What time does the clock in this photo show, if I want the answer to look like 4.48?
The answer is 4.56
